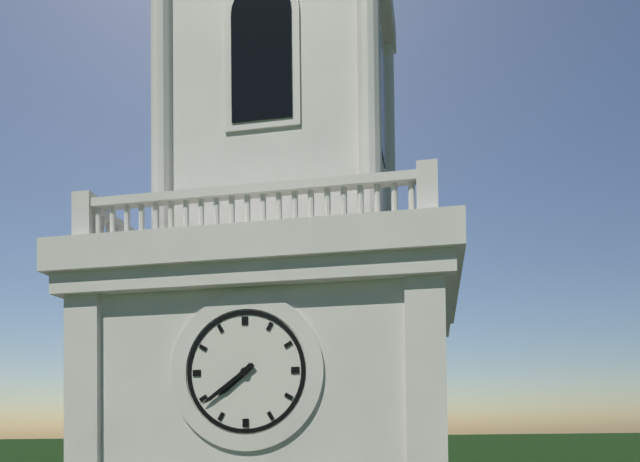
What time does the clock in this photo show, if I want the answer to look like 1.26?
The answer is 7.39
